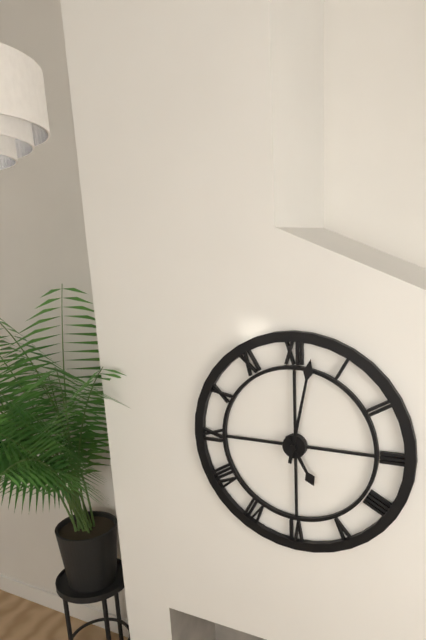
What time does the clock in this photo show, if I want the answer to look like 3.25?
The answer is 5.02
